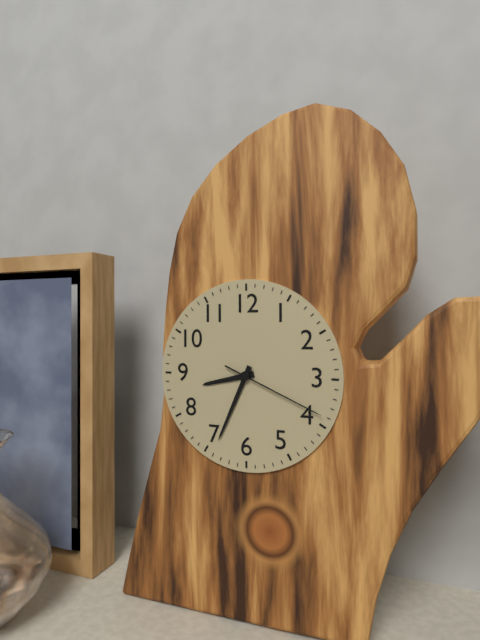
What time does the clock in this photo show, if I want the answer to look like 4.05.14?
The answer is 8.34.19
